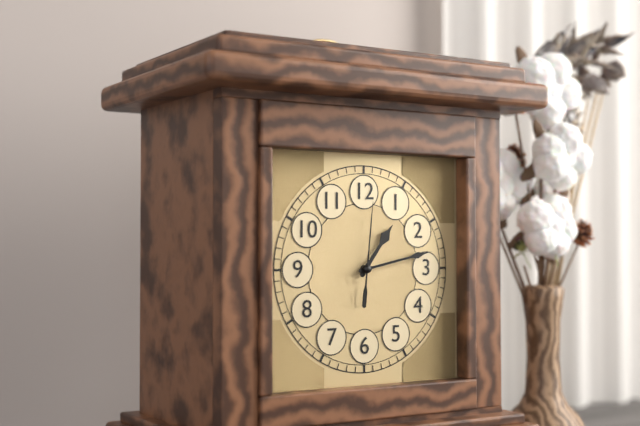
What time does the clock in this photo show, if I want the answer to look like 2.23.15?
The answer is 1.13.01
